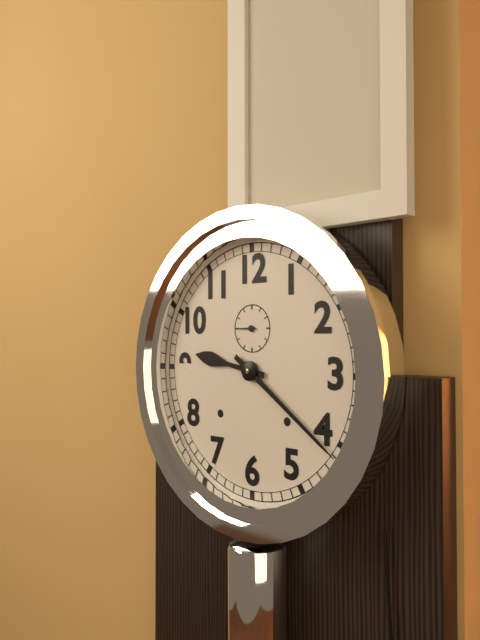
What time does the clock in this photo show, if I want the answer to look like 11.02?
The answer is 9.21
